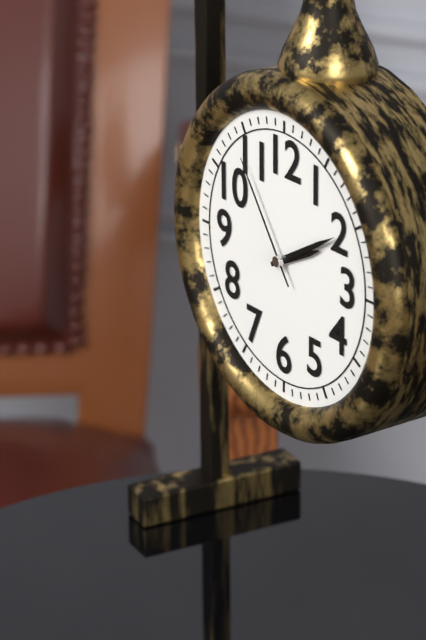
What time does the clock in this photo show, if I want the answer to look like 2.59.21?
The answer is 2.10.54
